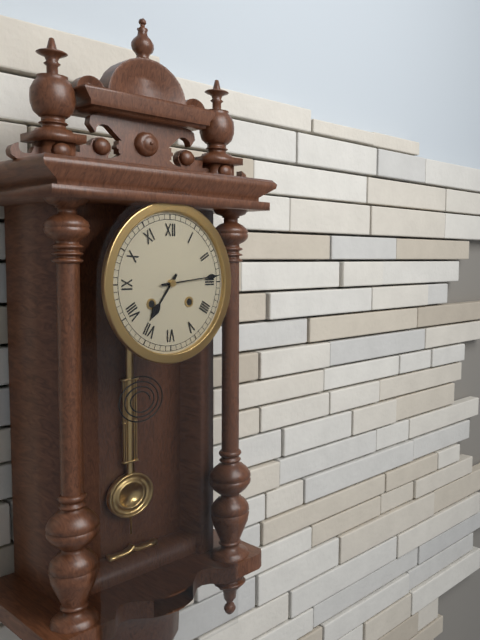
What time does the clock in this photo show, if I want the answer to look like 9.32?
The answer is 7.14
